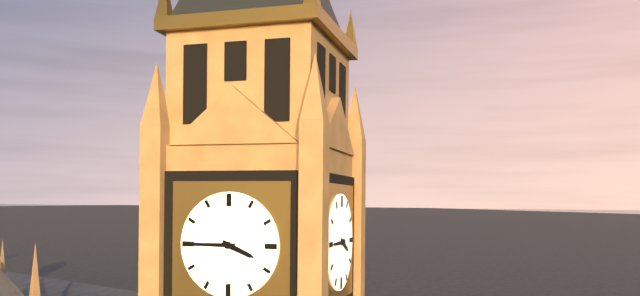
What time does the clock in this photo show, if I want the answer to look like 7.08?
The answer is 3.45
